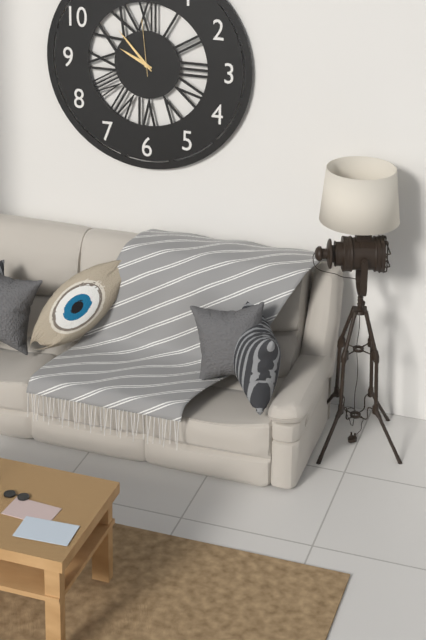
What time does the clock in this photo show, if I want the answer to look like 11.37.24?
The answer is 9.53.59
